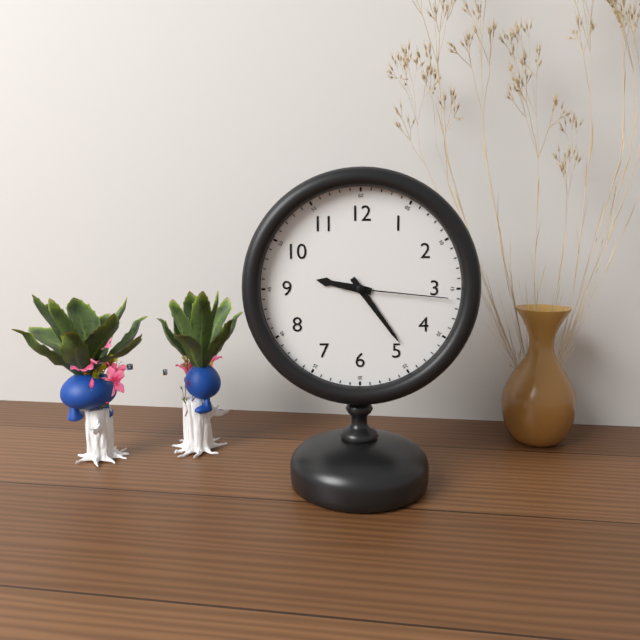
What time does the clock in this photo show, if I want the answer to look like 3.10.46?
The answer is 9.24.16
